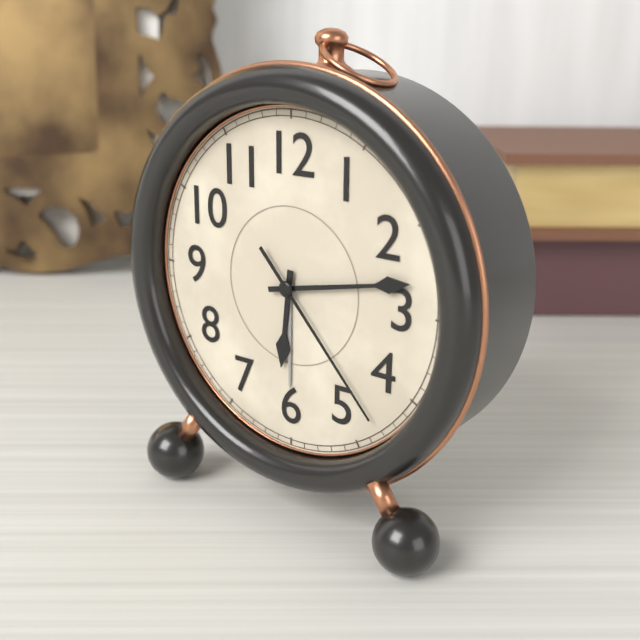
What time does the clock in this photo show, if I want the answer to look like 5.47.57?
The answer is 6.13.23
